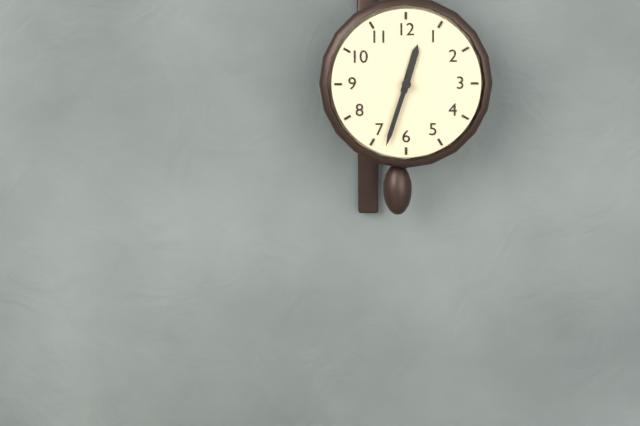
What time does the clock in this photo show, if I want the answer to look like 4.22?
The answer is 12.33
